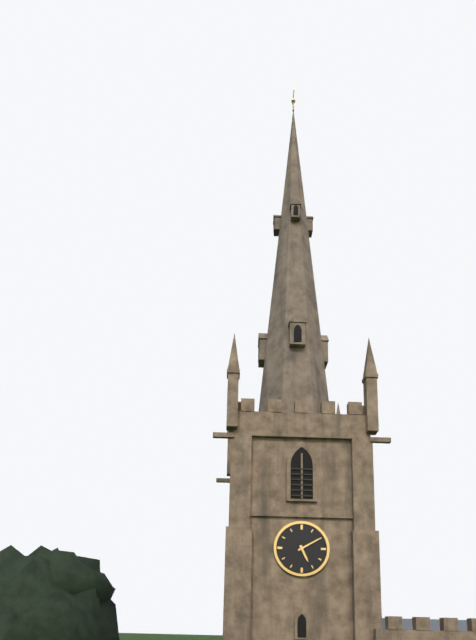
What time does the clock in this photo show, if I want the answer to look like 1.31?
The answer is 5.10
